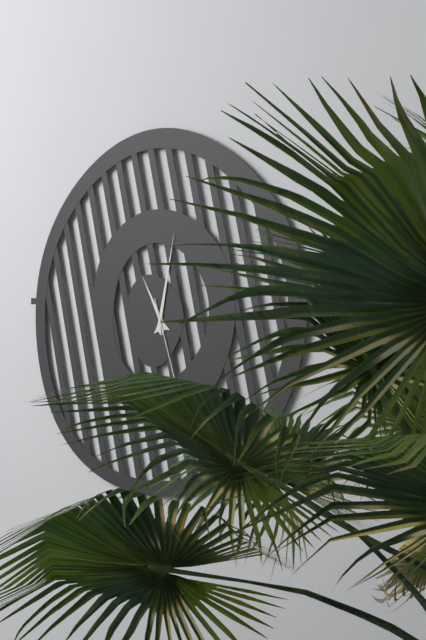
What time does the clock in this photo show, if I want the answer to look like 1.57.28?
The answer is 11.02.27
